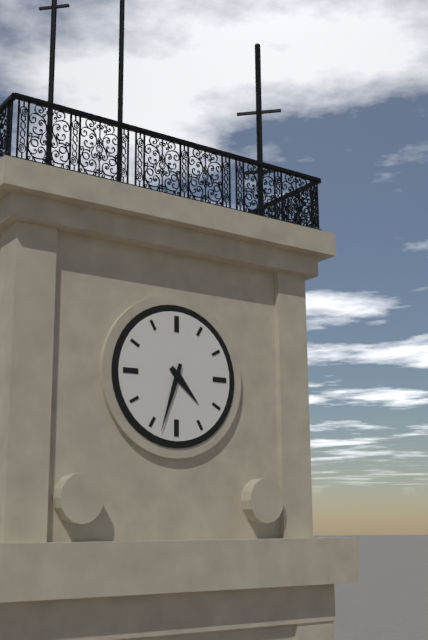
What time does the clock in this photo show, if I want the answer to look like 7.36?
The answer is 4.33
